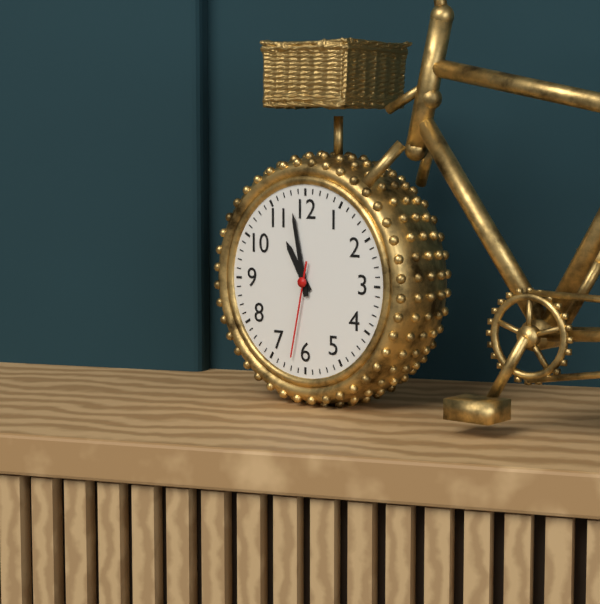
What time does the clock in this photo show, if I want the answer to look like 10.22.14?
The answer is 10.58.32
